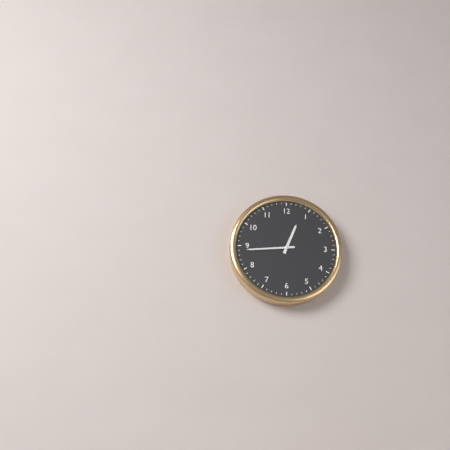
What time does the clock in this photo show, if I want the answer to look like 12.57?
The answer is 12.44
